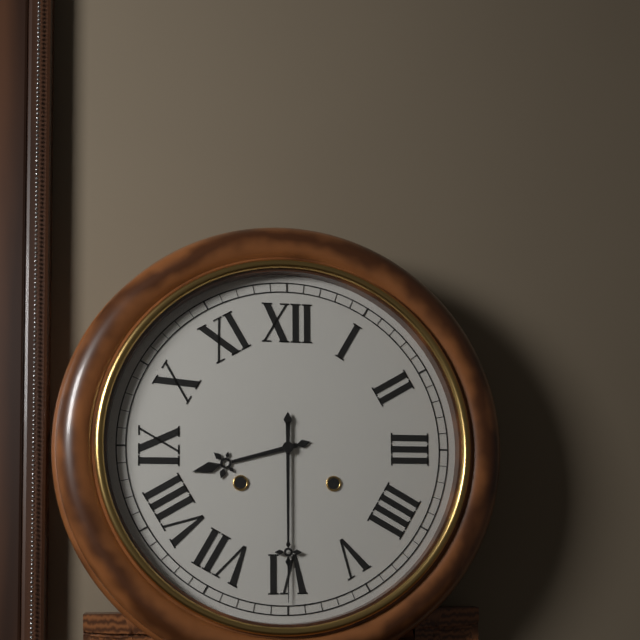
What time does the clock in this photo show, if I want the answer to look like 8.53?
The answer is 8.30
